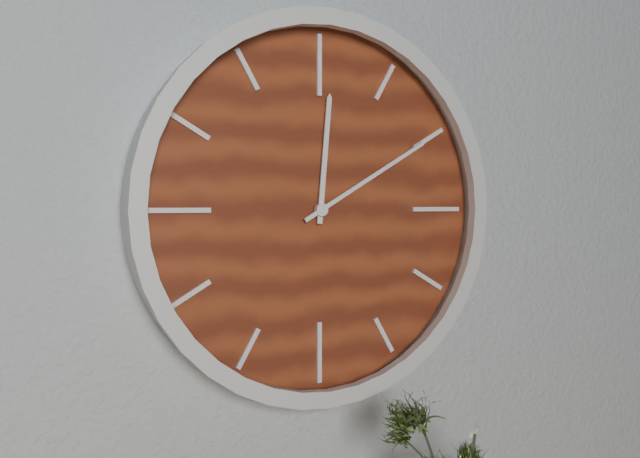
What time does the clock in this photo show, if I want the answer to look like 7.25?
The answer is 12.10
